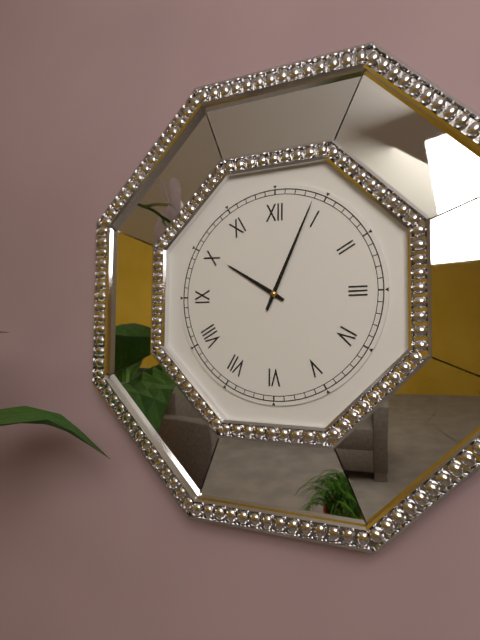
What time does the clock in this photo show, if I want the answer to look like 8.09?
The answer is 10.04
